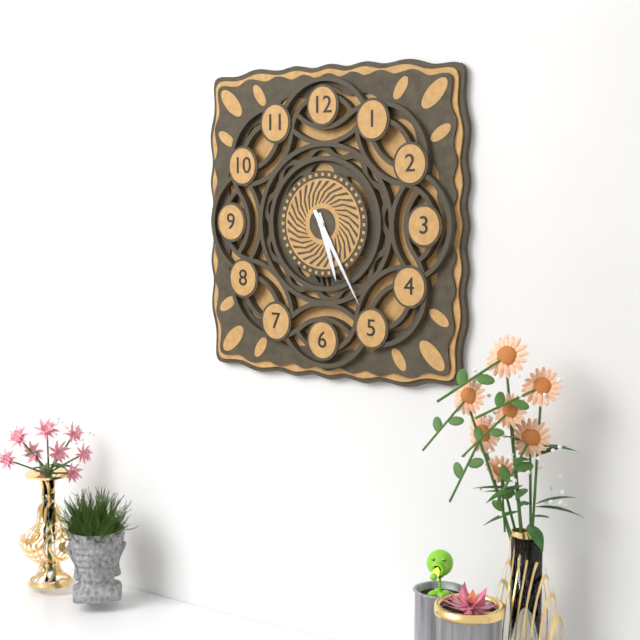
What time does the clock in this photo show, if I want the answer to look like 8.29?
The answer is 5.25
